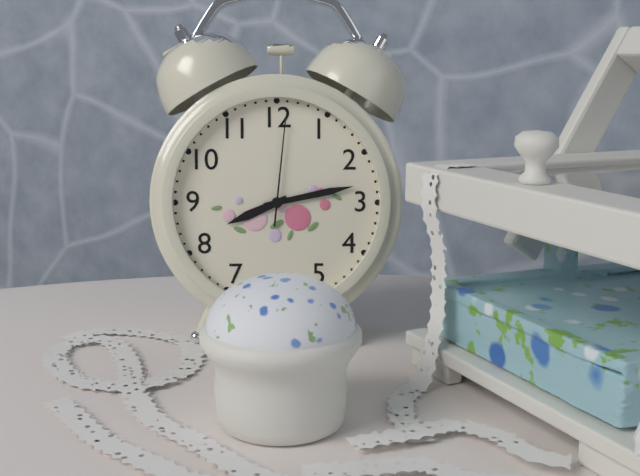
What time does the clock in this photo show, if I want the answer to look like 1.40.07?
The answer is 8.13.01
